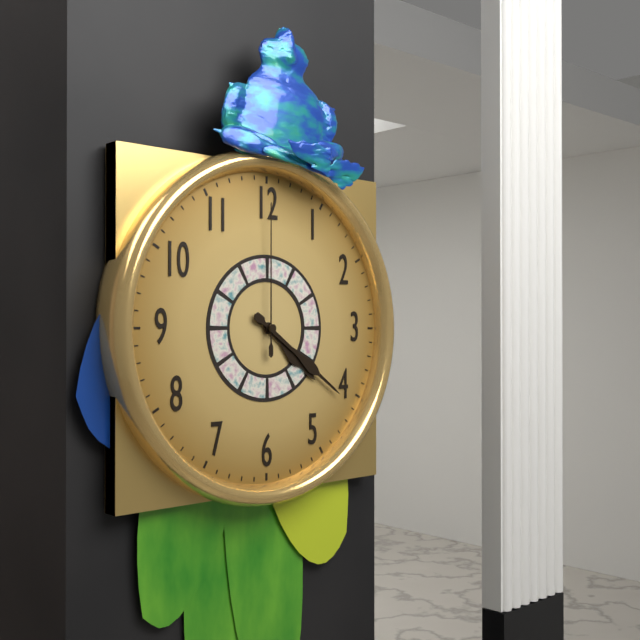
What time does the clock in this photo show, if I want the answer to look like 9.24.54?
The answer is 4.21.00
